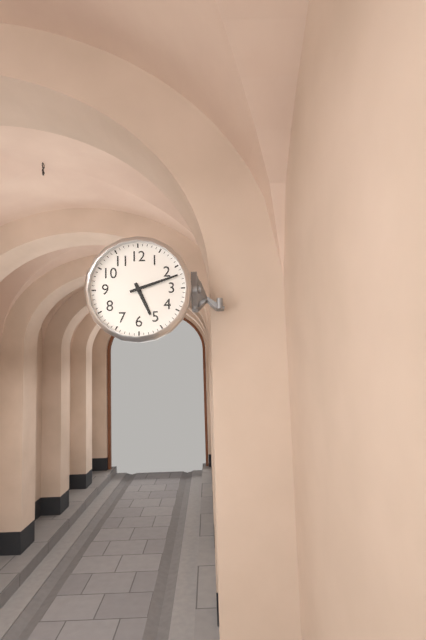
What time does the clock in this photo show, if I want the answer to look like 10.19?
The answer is 5.12
